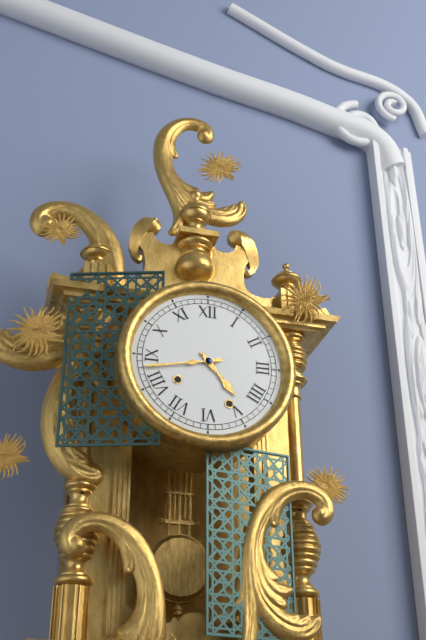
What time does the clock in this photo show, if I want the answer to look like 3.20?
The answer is 4.43
